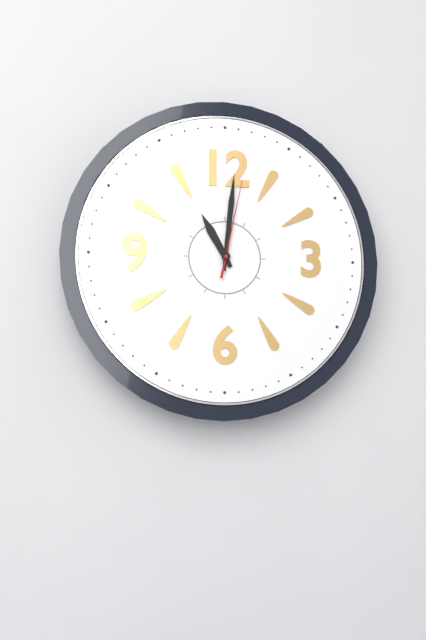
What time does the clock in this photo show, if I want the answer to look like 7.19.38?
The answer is 11.01.02
